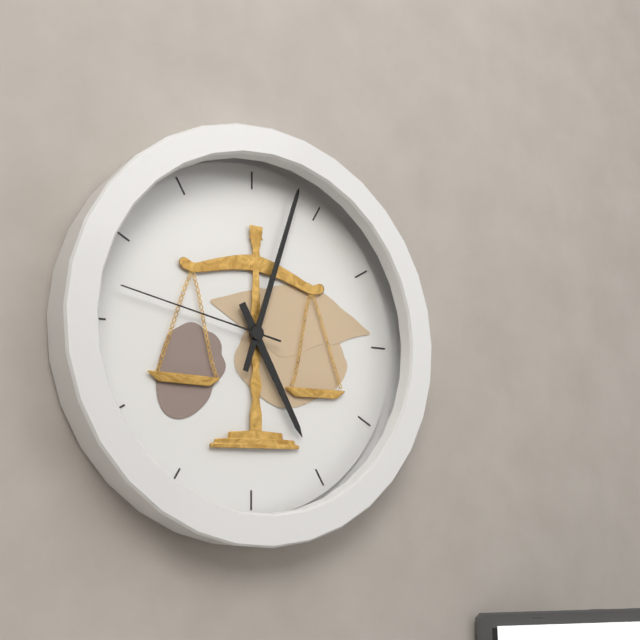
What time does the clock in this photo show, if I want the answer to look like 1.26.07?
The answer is 5.03.47
